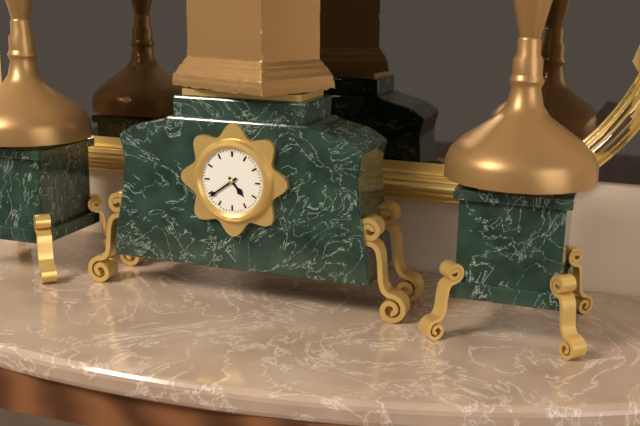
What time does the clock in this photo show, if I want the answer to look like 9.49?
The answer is 4.39
